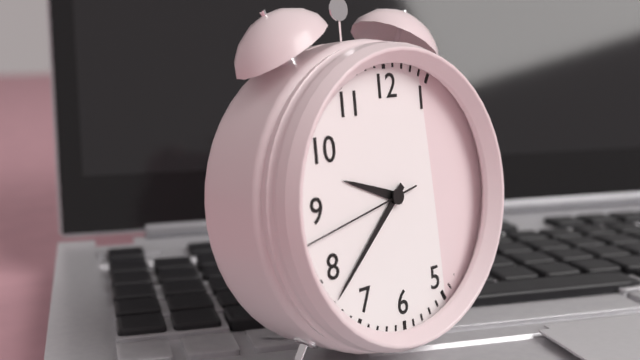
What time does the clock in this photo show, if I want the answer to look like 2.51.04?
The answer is 9.38.43
